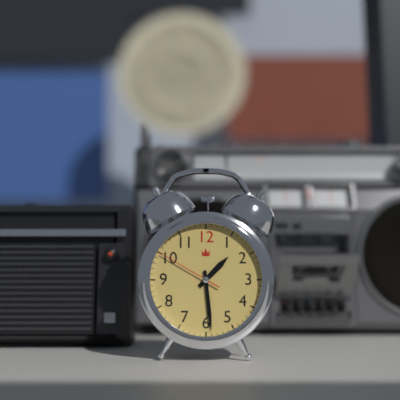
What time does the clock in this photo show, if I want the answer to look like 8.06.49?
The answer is 1.29.50
